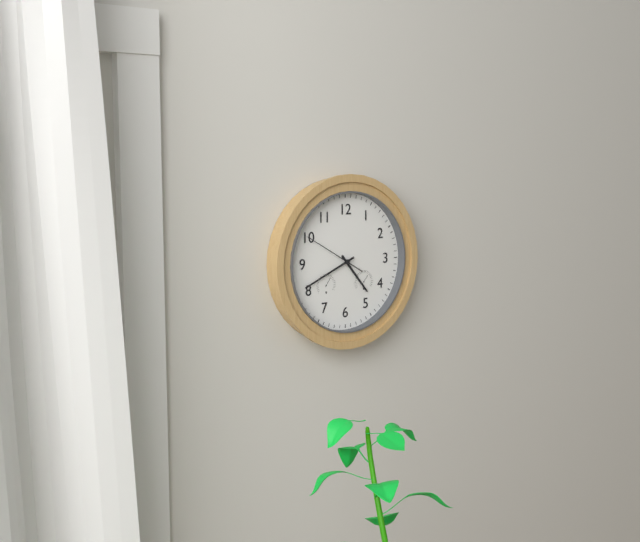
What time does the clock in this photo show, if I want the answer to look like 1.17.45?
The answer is 4.41.50
